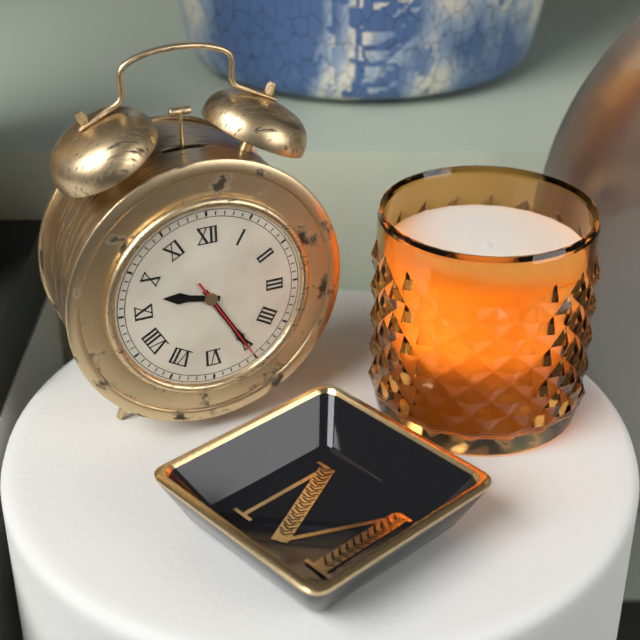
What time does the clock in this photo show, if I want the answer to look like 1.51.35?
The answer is 9.25.25
